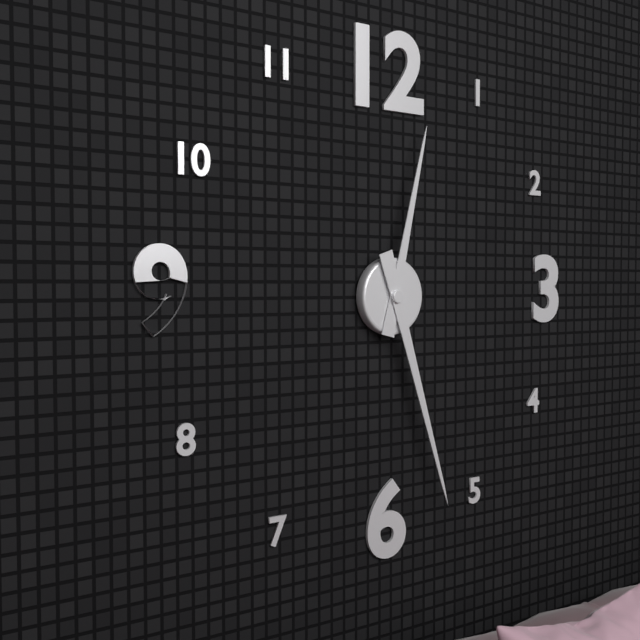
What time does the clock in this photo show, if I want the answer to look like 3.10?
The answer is 12.27
